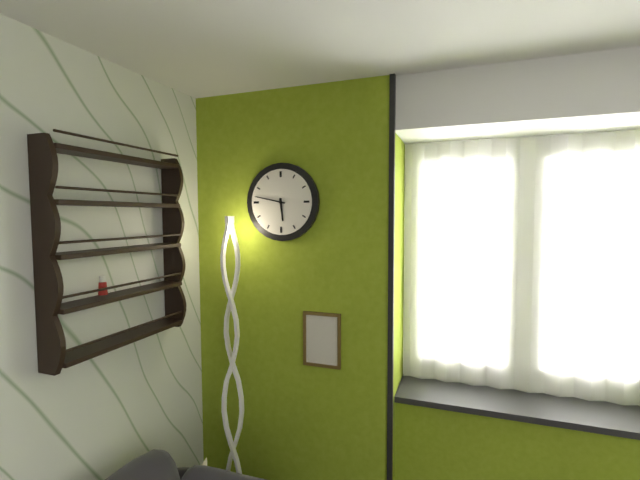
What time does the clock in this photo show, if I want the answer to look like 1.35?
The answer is 5.47
